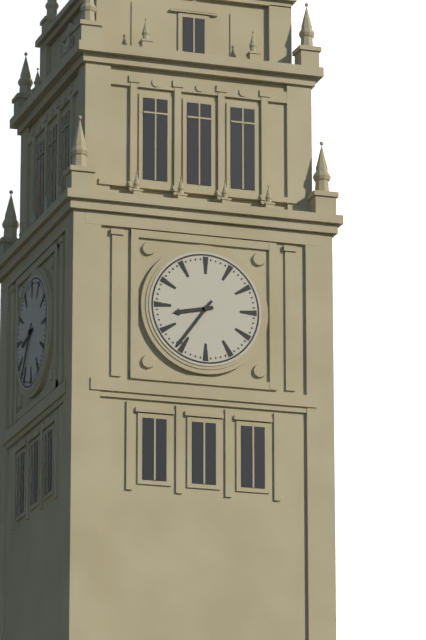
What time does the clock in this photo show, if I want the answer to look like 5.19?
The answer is 8.36
